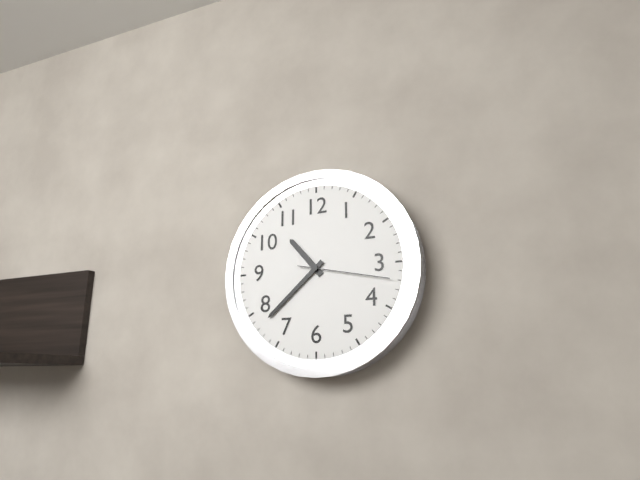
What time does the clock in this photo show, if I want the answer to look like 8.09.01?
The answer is 10.38.17
